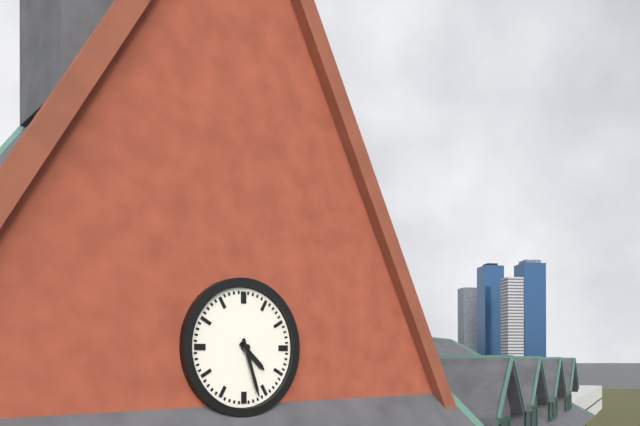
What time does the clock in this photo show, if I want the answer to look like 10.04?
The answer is 4.27
